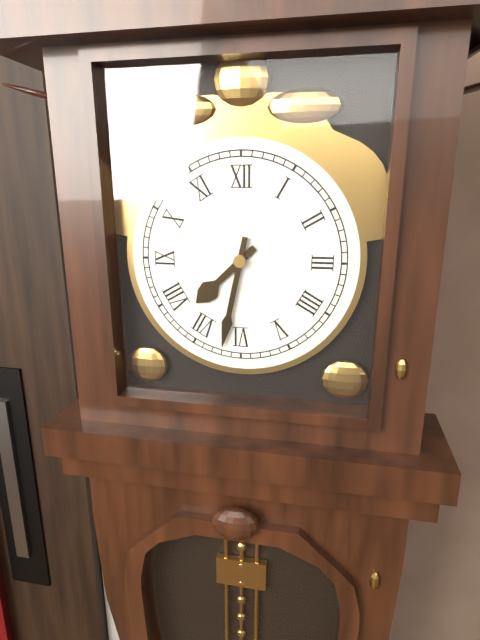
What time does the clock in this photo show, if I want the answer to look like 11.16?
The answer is 7.32
